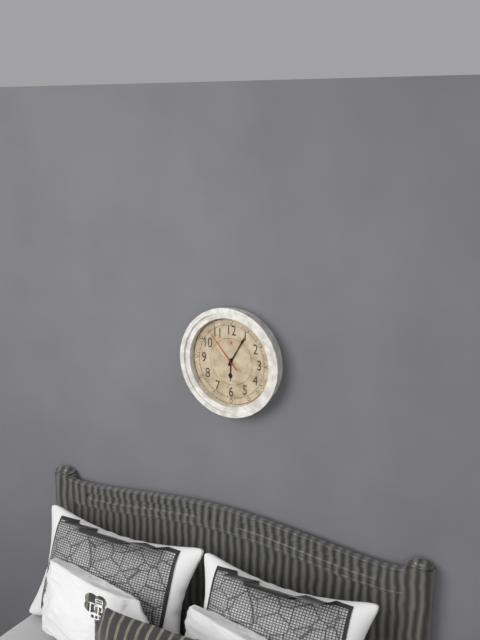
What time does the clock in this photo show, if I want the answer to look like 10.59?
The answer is 6.05
